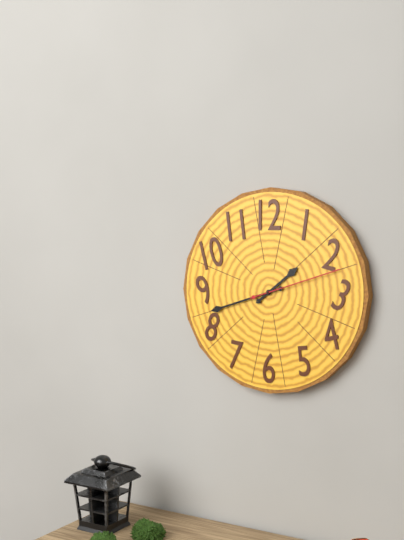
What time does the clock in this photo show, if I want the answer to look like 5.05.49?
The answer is 1.42.12
